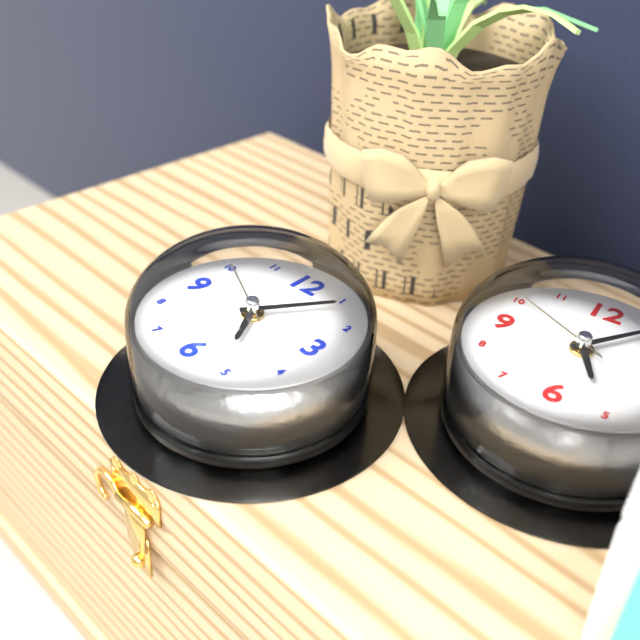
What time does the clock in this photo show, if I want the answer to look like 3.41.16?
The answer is 5.06.50
